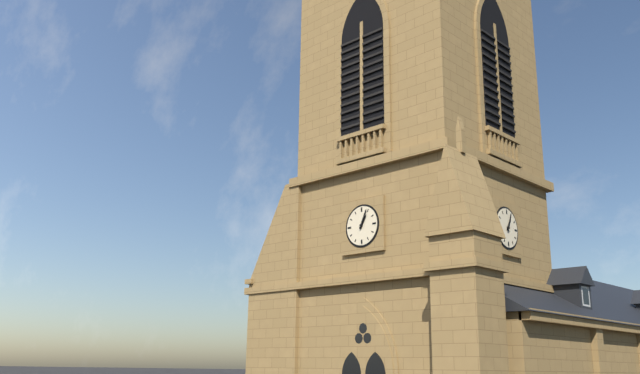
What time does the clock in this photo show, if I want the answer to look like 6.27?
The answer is 1.04
